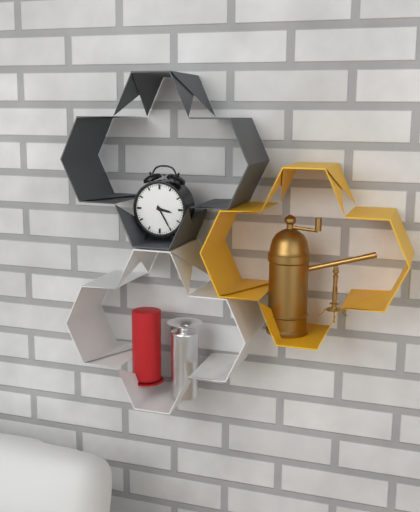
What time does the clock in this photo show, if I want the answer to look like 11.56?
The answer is 3.25
